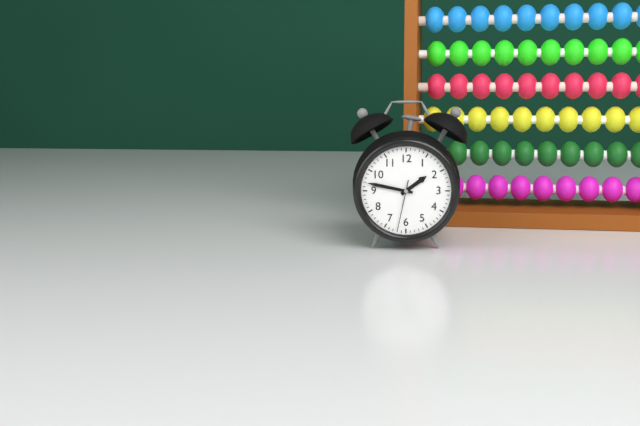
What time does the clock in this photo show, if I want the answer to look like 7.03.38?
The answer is 1.47.32
